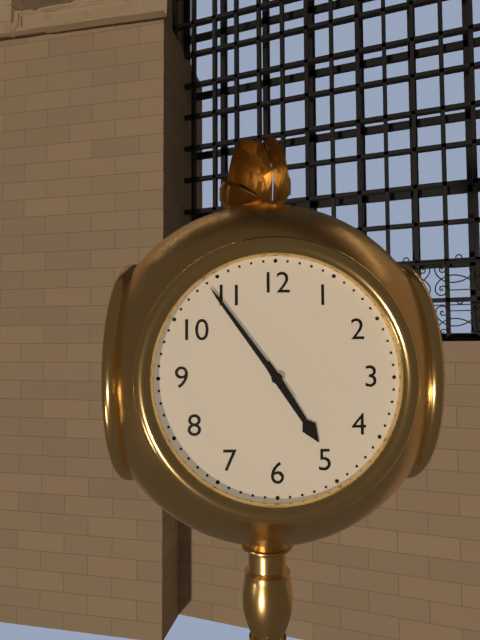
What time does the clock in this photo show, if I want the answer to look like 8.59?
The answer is 4.54
